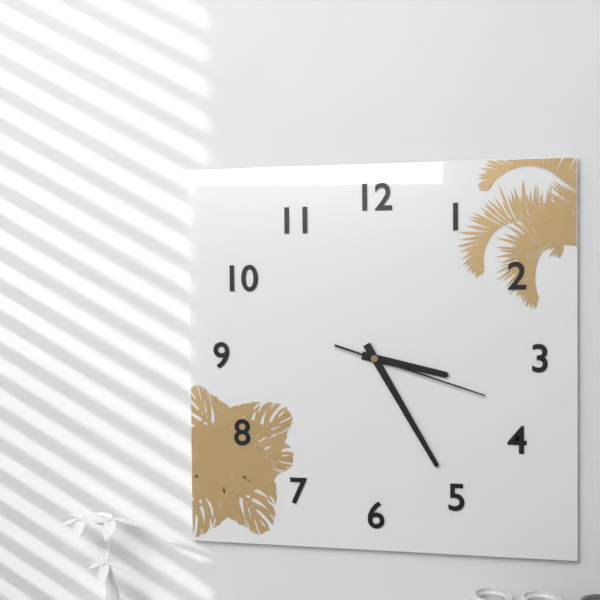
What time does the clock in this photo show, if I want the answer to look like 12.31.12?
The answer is 3.25.18
